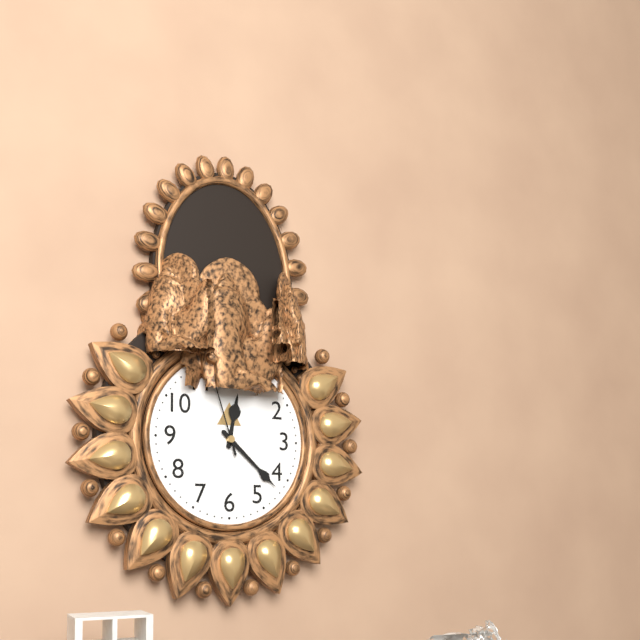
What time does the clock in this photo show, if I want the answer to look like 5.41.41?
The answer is 12.22.57
